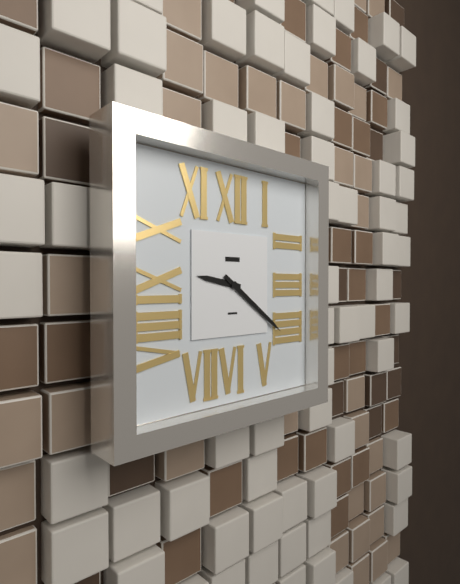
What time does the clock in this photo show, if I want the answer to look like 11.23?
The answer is 9.21
